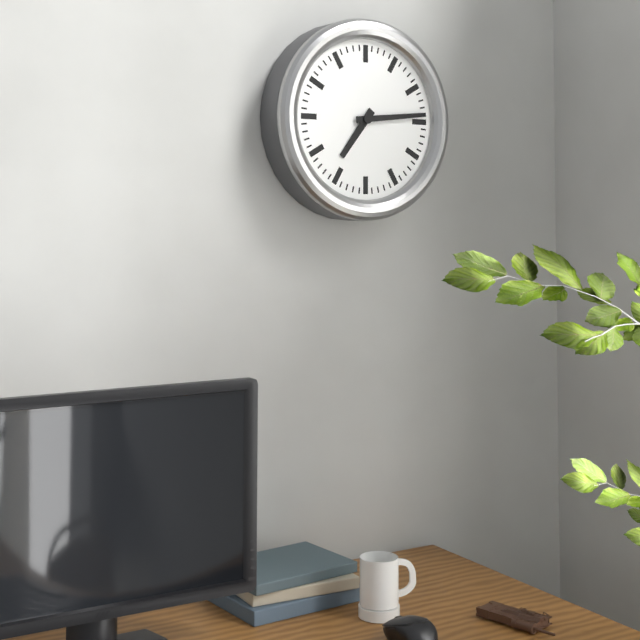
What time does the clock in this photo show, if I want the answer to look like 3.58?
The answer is 7.14
